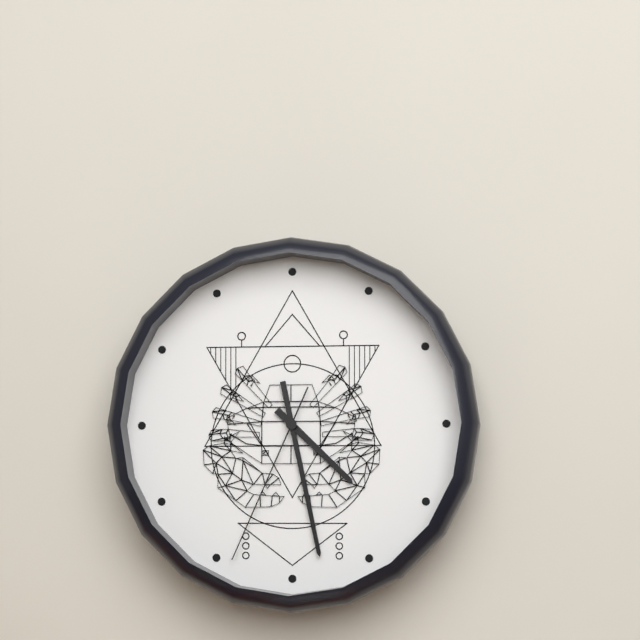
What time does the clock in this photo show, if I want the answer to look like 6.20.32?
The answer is 4.28.34
